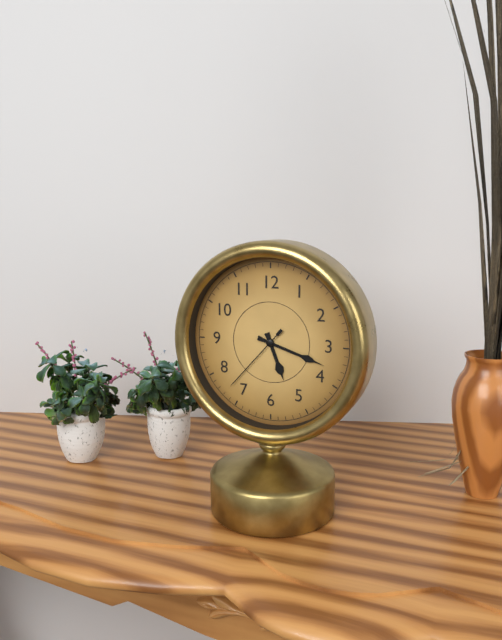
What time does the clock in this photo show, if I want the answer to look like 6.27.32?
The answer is 5.18.37
